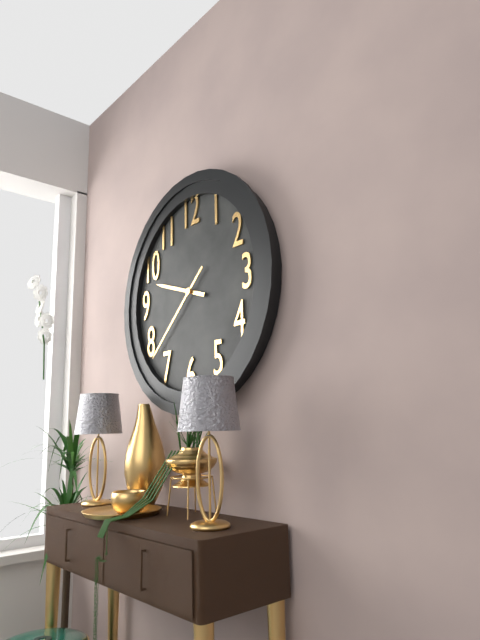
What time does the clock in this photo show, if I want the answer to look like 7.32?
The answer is 9.38
